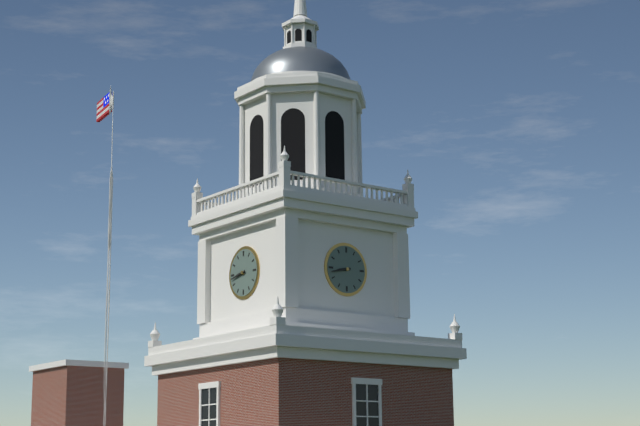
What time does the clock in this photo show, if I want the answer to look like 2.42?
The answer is 8.43
